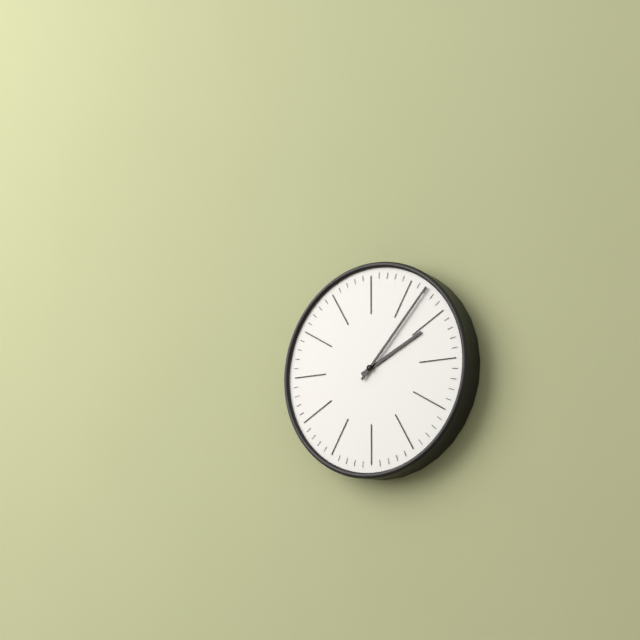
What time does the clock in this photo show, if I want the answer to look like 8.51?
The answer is 2.07
